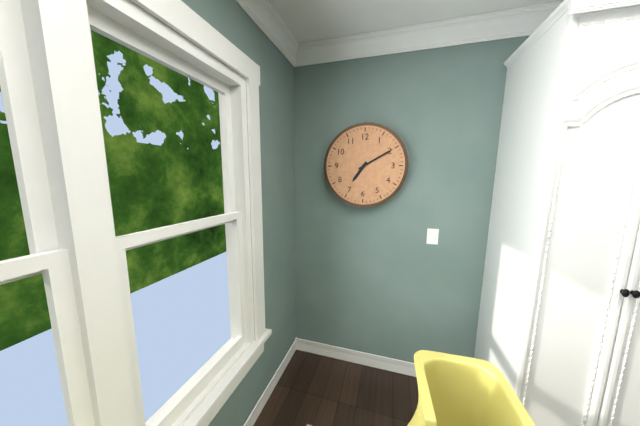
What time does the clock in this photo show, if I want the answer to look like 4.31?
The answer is 7.10
